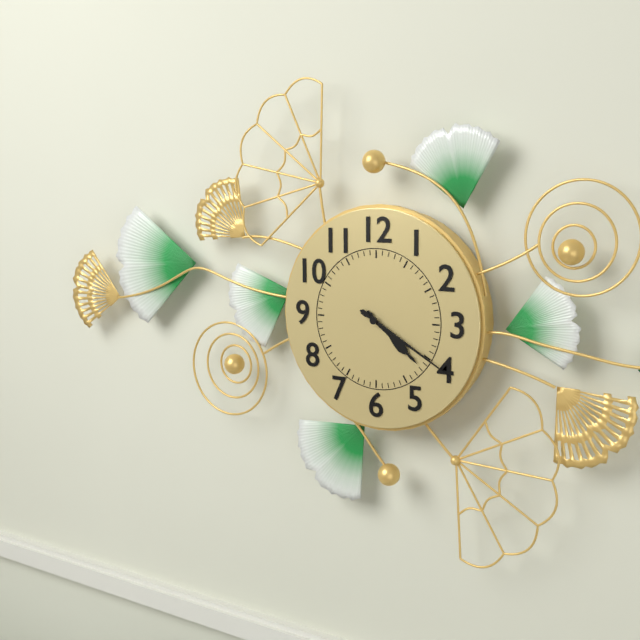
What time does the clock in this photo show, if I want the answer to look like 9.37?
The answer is 4.20
